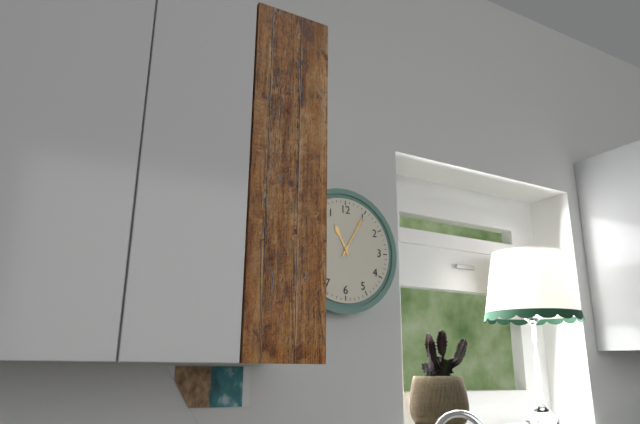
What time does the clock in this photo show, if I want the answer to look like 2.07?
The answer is 11.05
